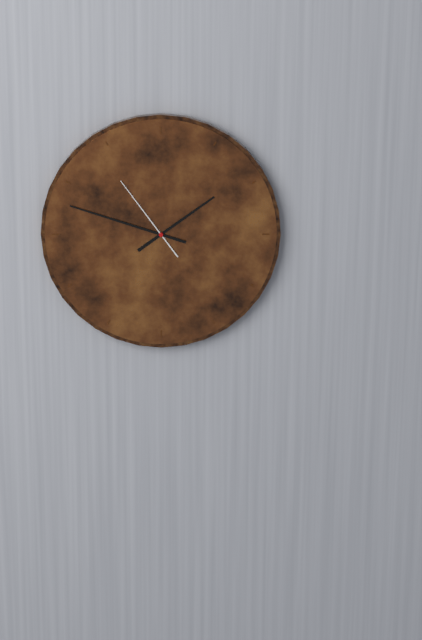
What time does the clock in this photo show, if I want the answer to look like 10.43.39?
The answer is 1.48.54
